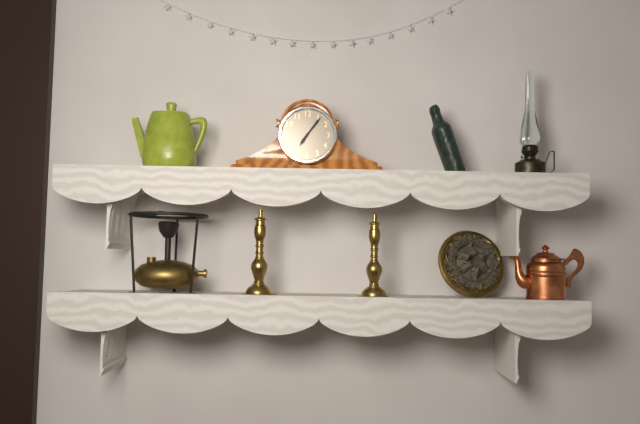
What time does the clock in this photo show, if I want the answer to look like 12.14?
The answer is 7.06
